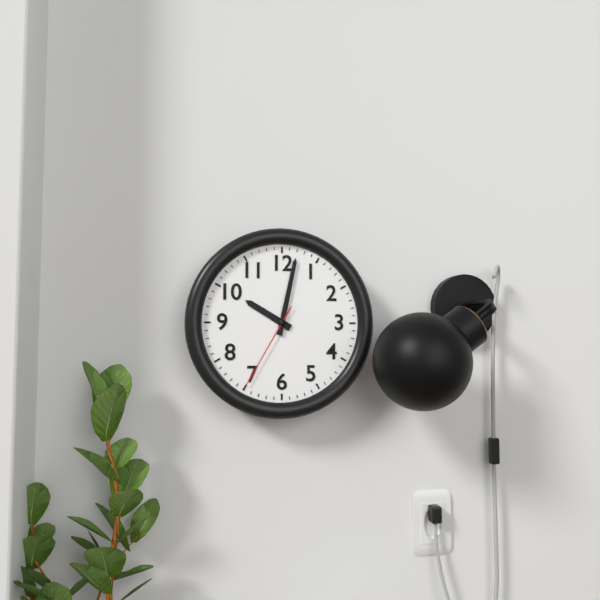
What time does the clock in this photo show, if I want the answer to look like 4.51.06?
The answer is 10.02.35
